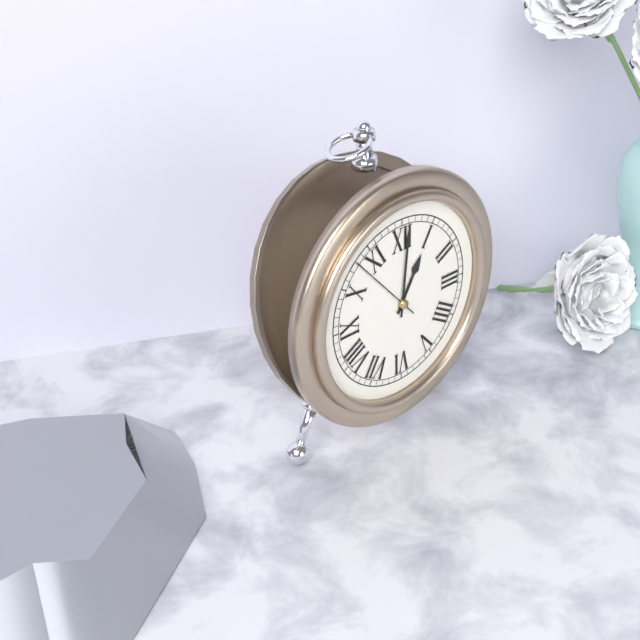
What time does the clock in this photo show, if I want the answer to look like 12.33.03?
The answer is 1.01.53
